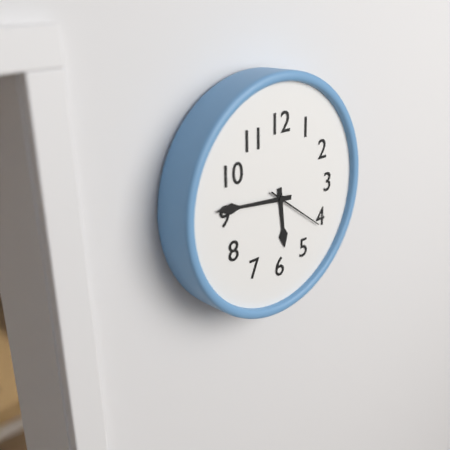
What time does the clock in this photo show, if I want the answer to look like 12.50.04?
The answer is 5.46.21
